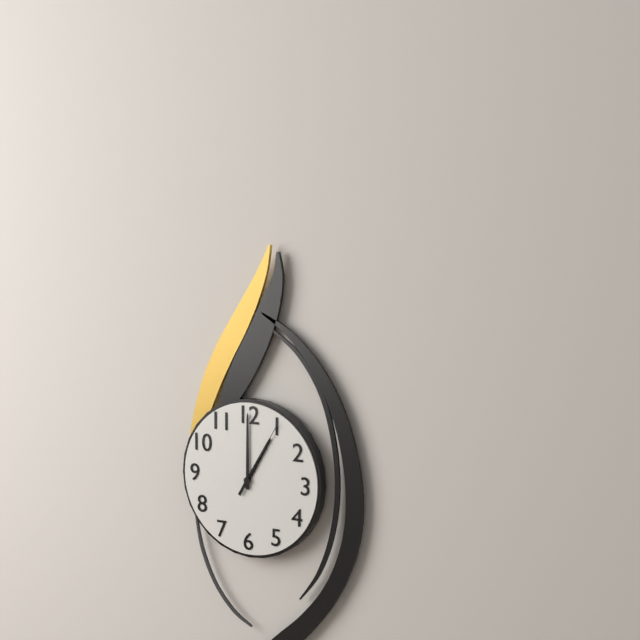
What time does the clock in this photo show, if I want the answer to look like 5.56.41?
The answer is 1.00.05
